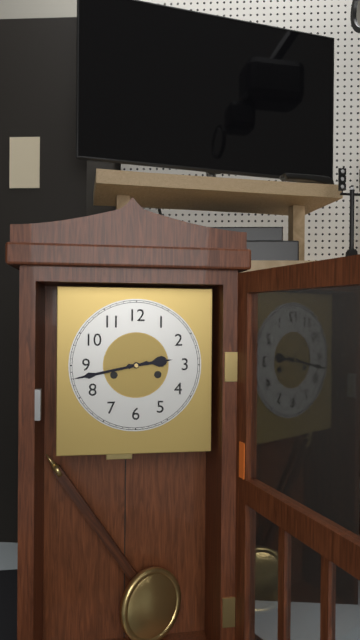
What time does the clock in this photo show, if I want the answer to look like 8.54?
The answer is 2.43
